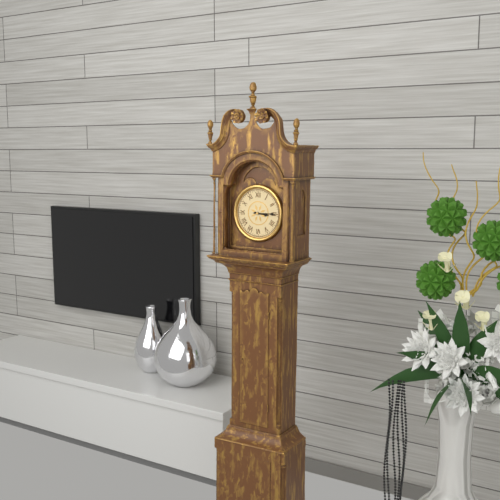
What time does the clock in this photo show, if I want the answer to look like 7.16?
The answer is 3.15
